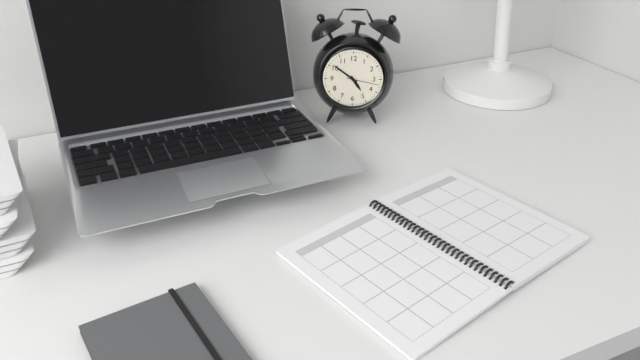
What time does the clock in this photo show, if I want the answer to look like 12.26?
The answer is 4.51
